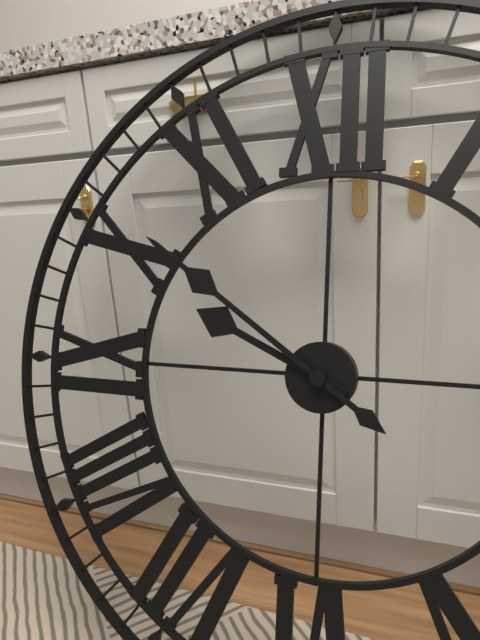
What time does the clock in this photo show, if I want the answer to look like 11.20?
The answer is 9.51
